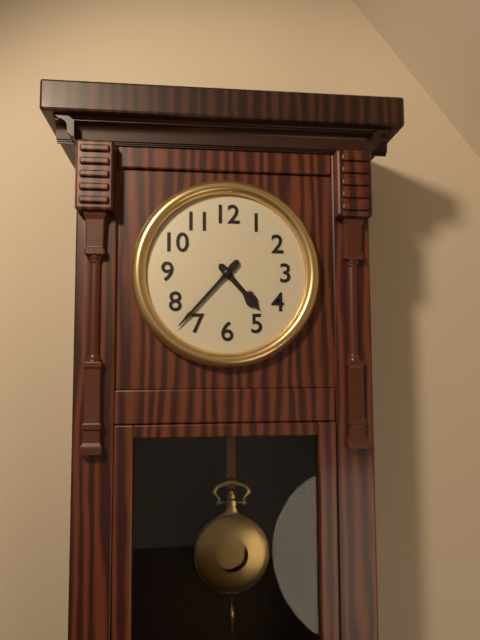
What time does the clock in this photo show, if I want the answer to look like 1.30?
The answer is 4.37
